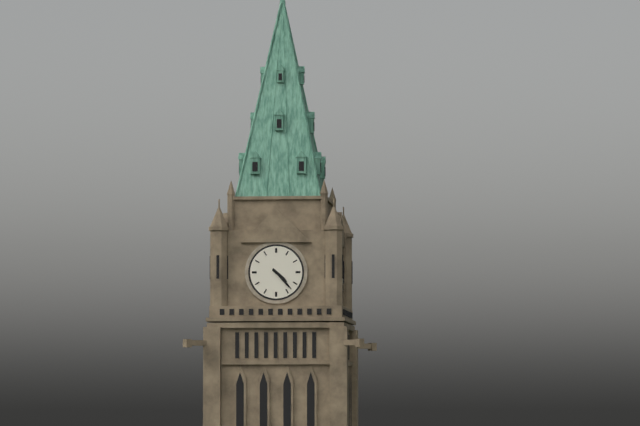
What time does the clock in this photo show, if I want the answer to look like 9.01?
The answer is 4.23
